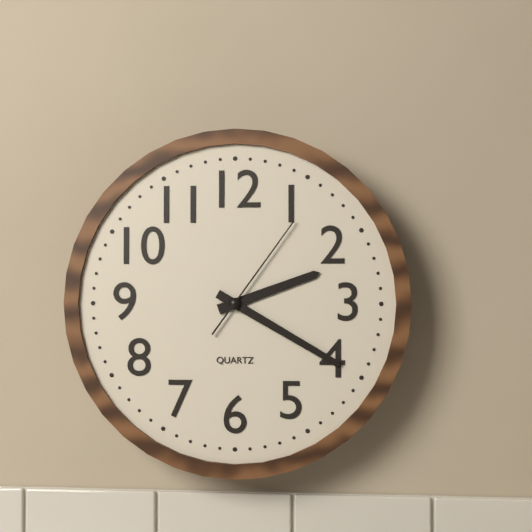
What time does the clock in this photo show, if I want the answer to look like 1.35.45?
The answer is 2.20.06
